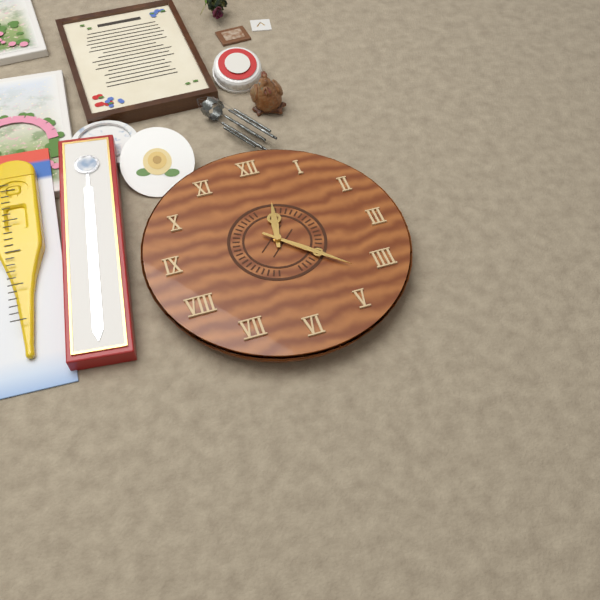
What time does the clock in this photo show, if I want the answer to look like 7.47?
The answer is 12.22
